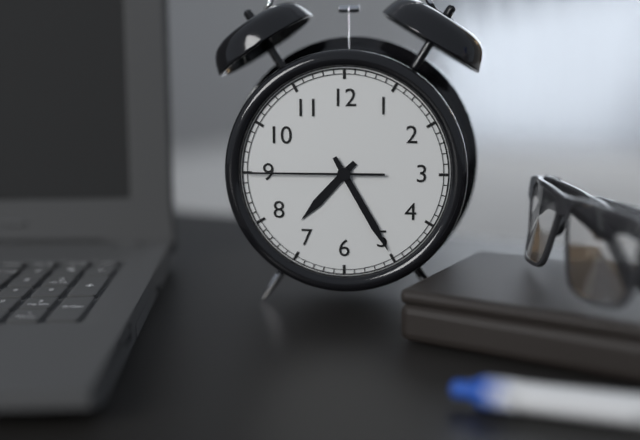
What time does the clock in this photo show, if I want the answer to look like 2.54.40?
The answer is 7.25.45
